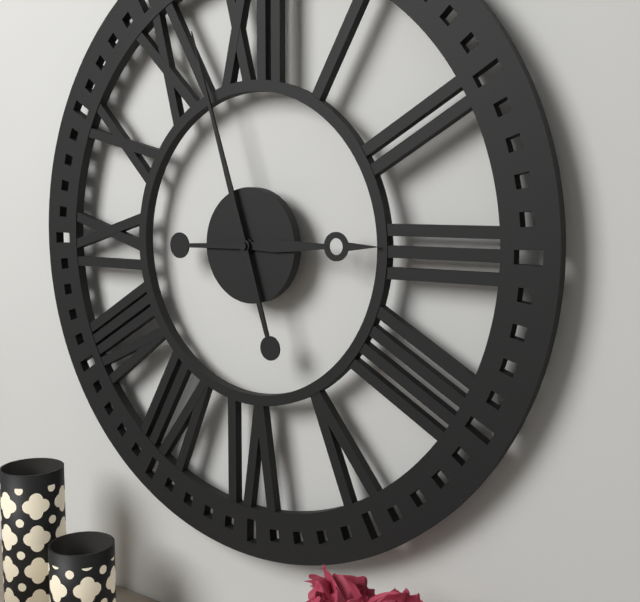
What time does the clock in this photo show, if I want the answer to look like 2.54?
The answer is 2.57
